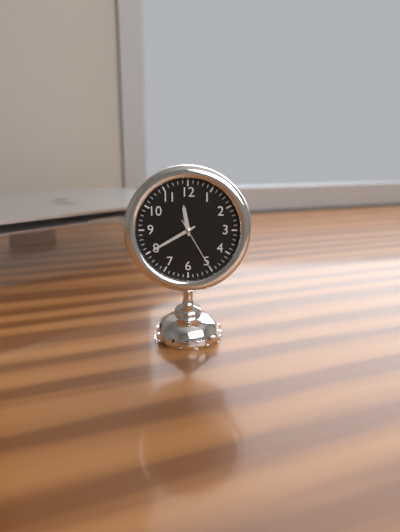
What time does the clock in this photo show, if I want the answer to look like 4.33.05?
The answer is 11.40.25
